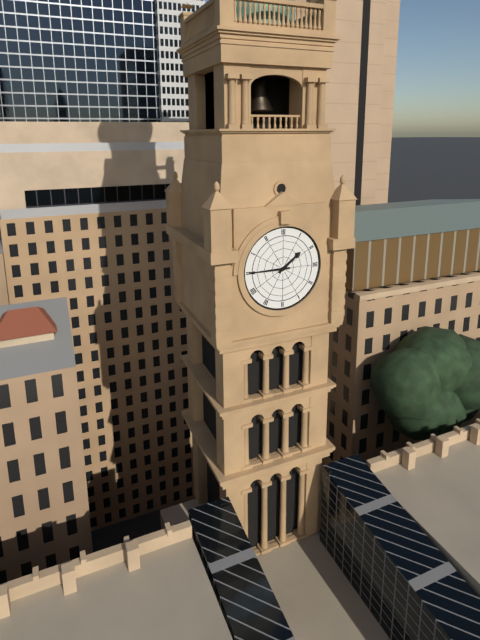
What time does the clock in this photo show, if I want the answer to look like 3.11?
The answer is 1.45
